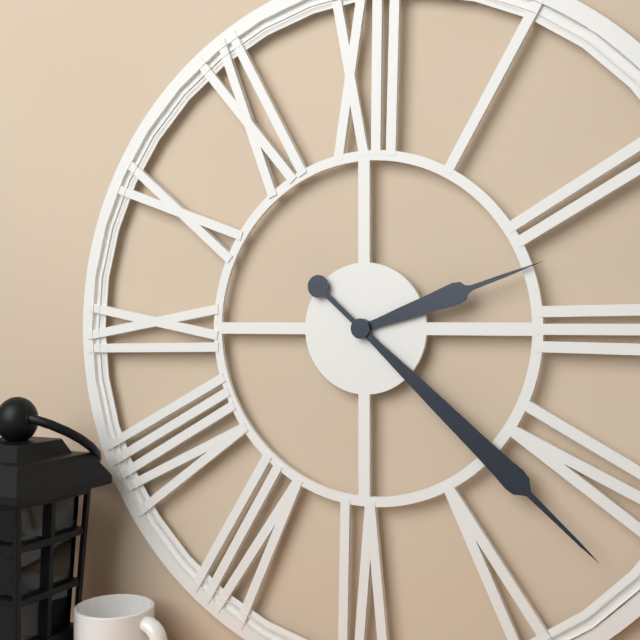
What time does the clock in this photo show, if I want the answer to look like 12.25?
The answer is 2.22
